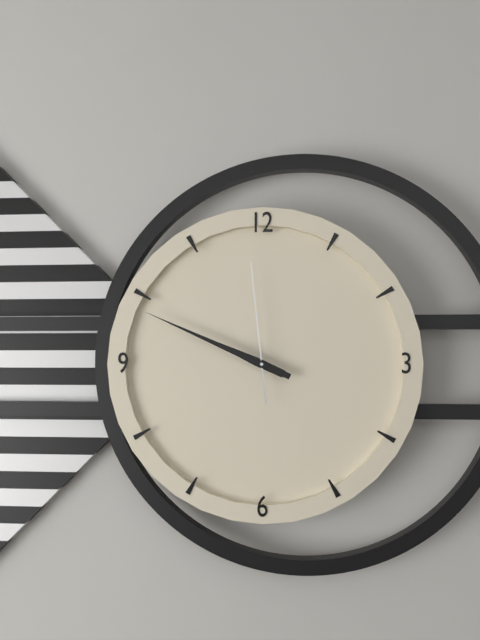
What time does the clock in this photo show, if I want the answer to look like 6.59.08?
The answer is 9.49.59
